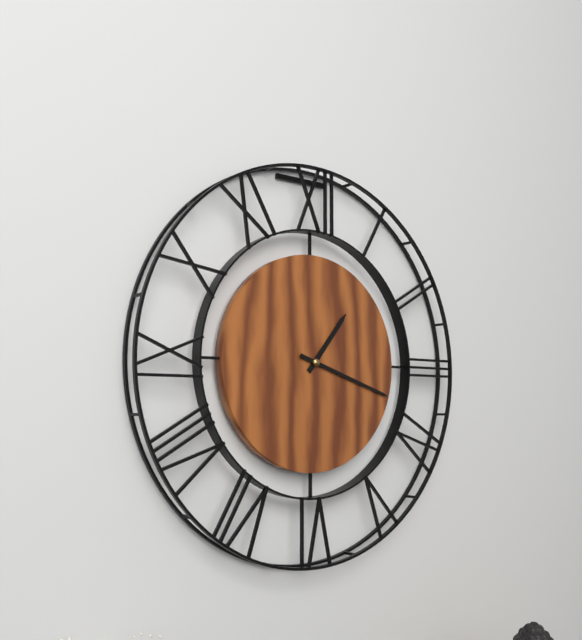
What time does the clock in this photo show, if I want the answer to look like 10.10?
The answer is 1.18
